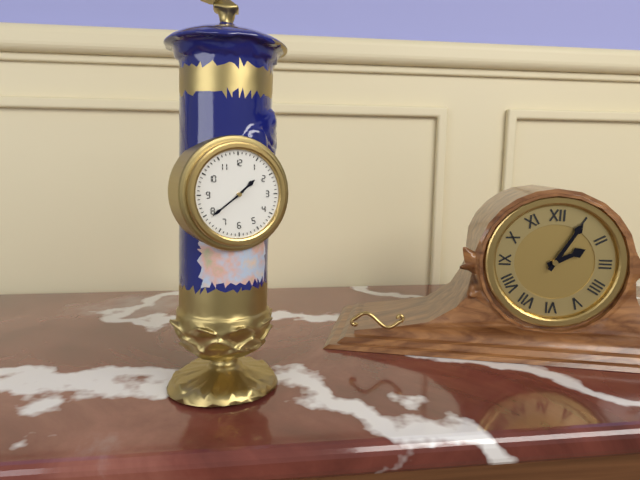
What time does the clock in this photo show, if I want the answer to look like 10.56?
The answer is 1.39
